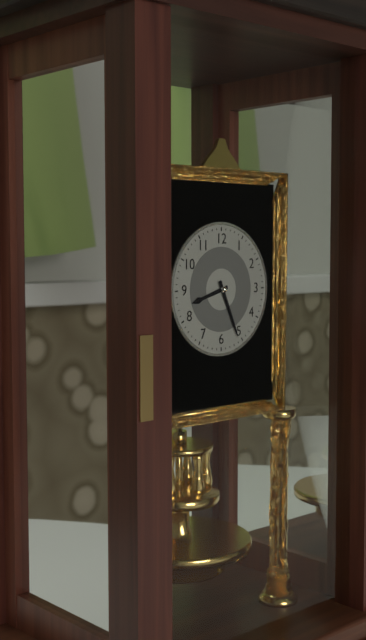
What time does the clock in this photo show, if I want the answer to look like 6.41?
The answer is 8.26
